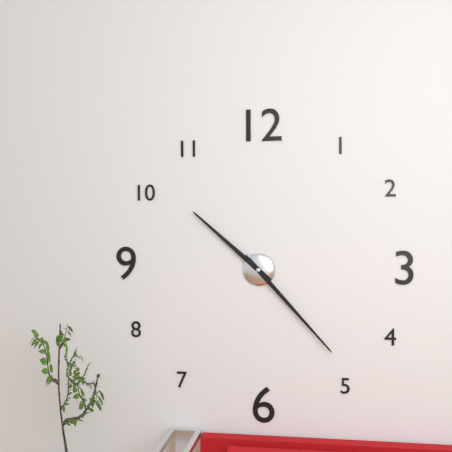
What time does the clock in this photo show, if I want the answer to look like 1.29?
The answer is 10.23
